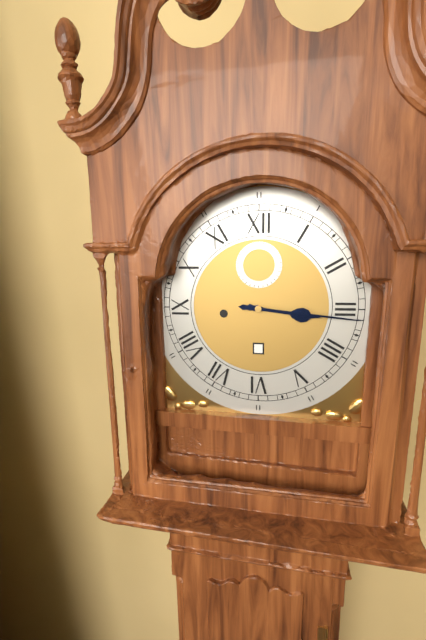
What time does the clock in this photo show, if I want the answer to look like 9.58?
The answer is 3.16
